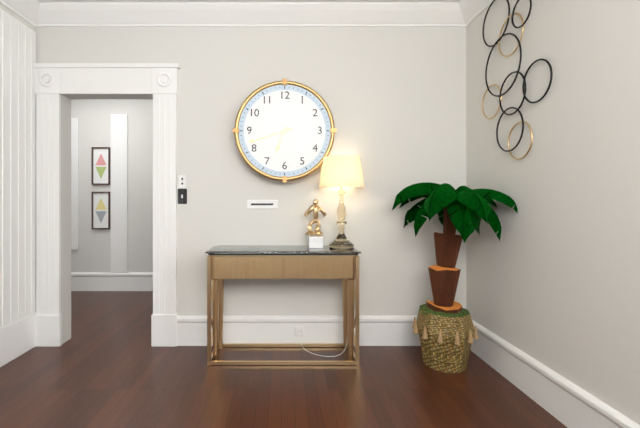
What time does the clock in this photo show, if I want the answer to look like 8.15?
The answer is 6.42
